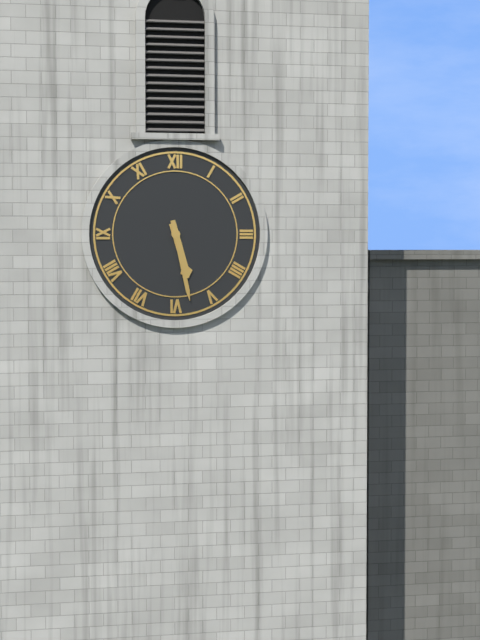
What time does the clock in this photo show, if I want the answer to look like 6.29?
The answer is 5.28
